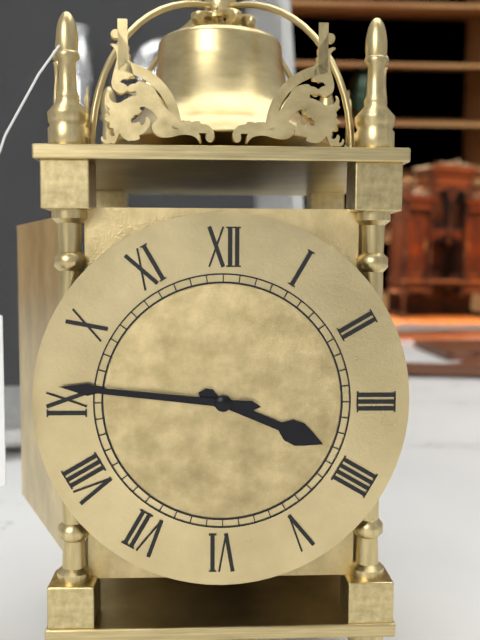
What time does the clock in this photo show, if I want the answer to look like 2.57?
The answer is 3.46
